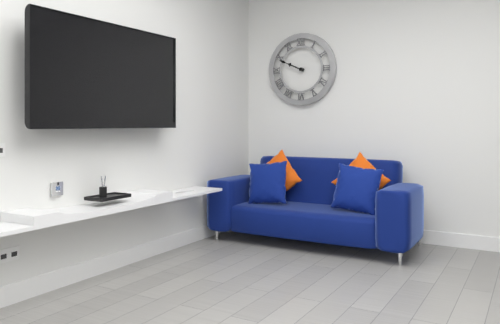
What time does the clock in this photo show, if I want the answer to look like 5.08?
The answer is 9.49
